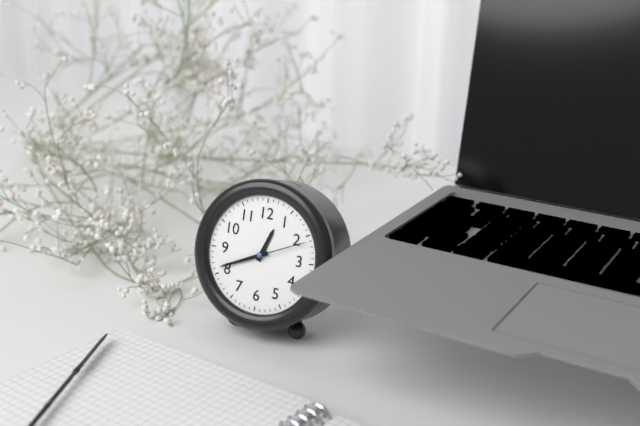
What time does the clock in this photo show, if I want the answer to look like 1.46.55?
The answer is 12.41.11
